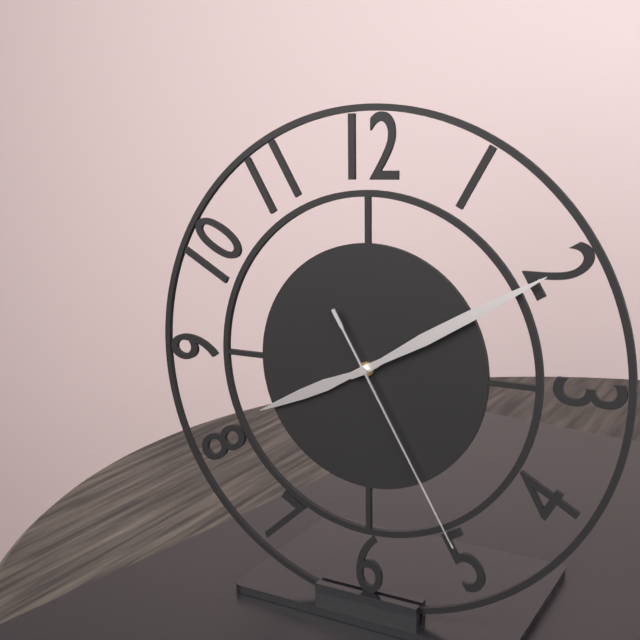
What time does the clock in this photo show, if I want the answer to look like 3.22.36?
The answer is 8.10.25
